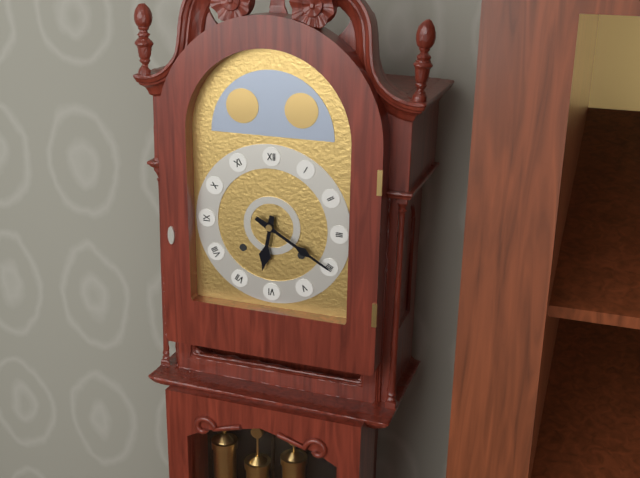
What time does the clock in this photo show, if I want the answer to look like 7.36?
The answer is 6.20
